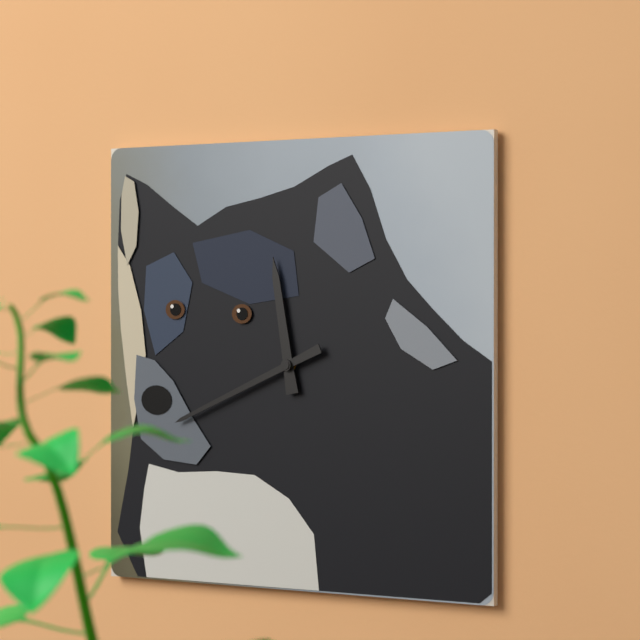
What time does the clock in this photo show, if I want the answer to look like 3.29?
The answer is 11.41
